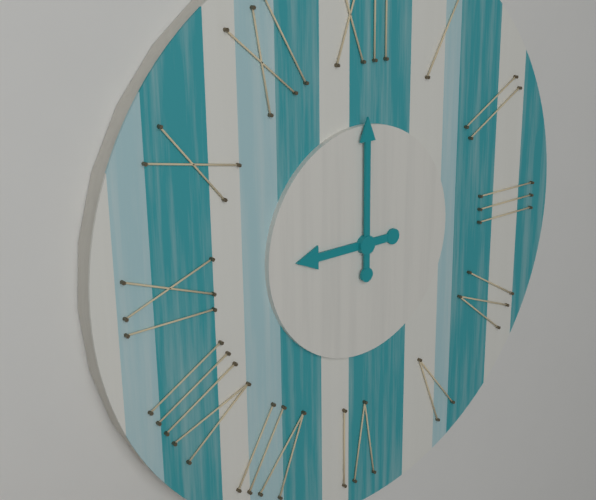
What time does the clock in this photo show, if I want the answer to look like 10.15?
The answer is 9.00
